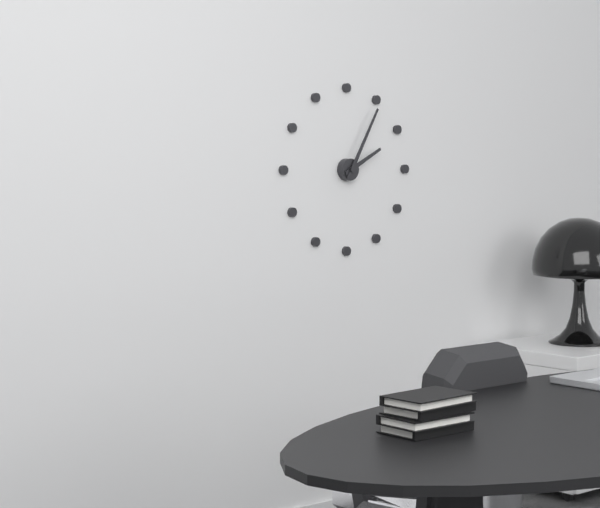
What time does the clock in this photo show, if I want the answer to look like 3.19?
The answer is 2.05
